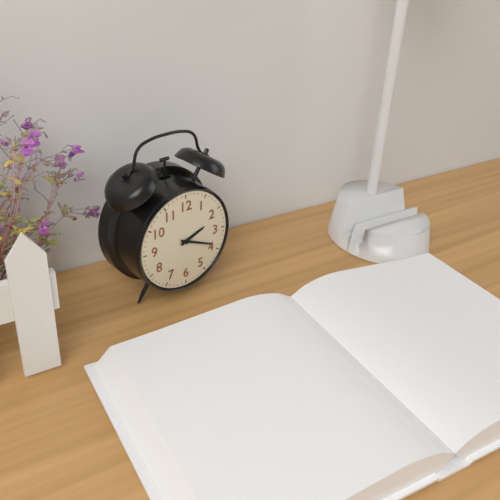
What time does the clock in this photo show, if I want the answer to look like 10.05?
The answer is 2.19
